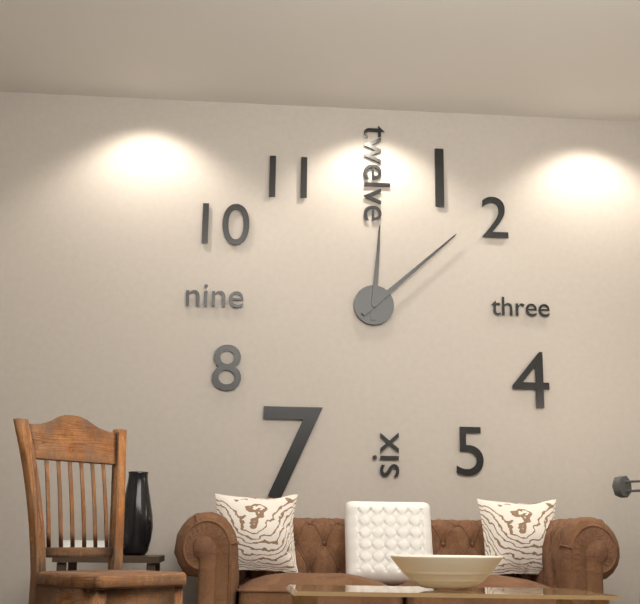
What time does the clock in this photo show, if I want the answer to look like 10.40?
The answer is 12.08
